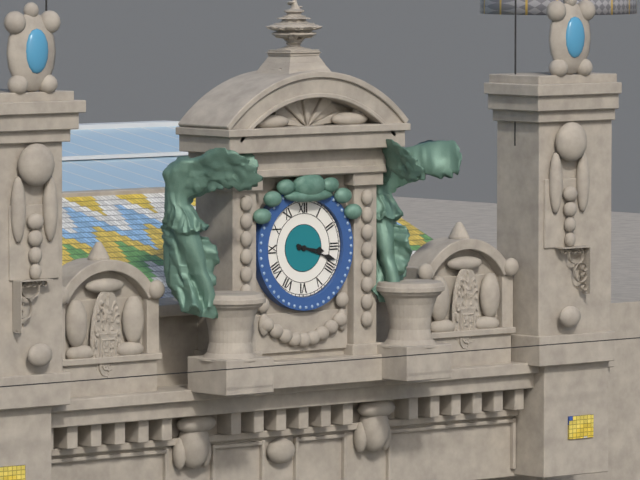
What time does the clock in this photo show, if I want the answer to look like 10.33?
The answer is 3.18
